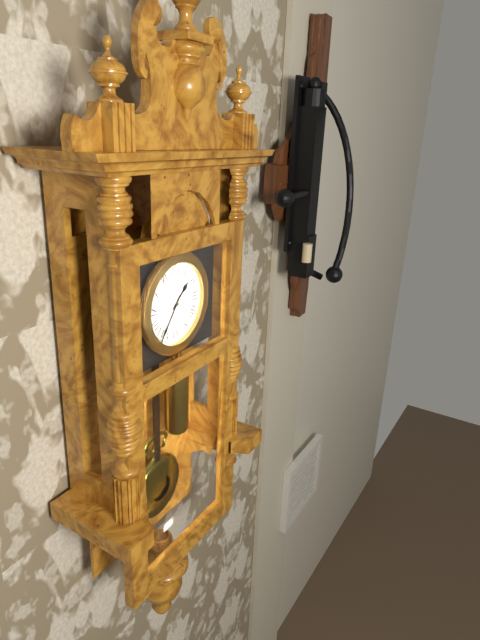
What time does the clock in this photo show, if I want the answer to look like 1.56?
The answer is 1.36
